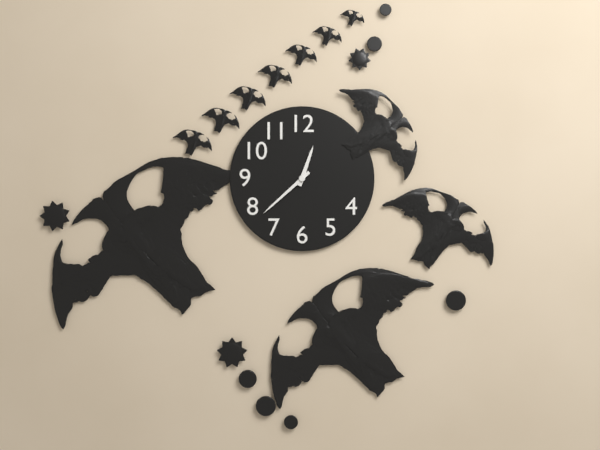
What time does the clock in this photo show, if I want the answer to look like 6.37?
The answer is 12.38
